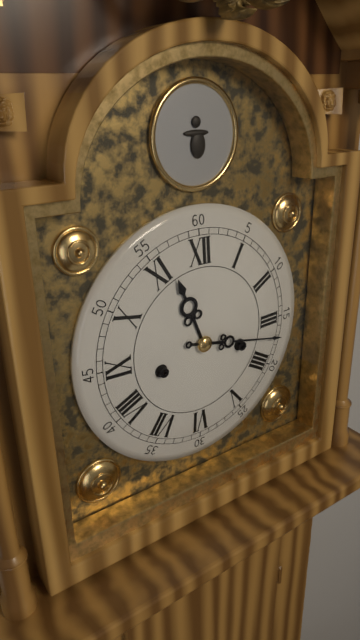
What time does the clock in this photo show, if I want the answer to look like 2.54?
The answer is 11.17
